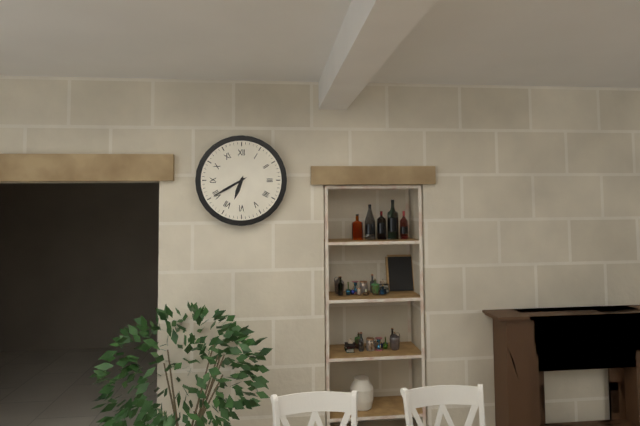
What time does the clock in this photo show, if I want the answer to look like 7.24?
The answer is 6.40
